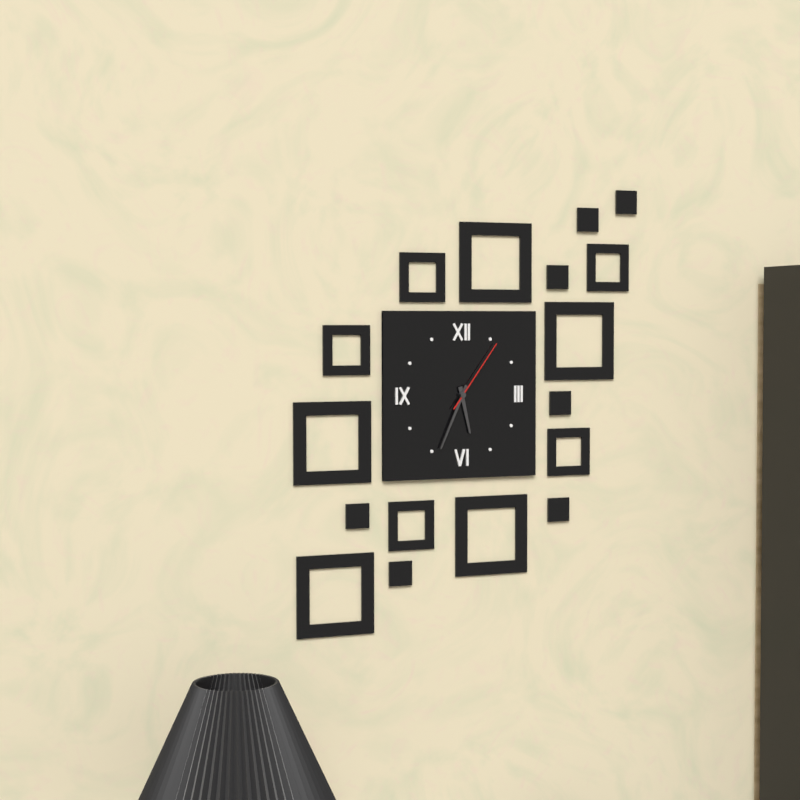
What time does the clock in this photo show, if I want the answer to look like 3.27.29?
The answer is 5.34.06
